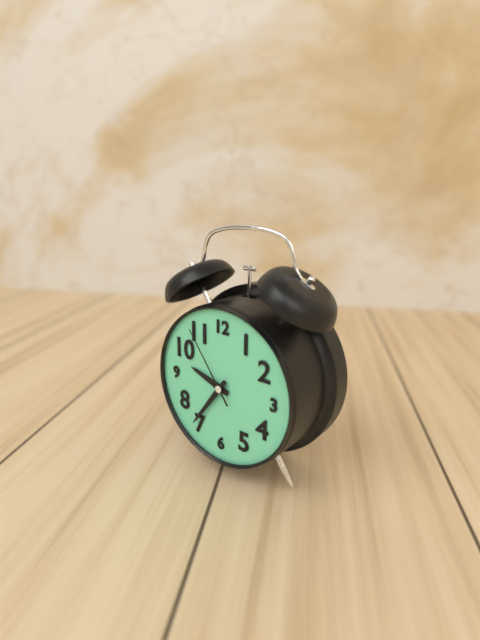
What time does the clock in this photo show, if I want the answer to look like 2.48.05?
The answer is 9.36.54
